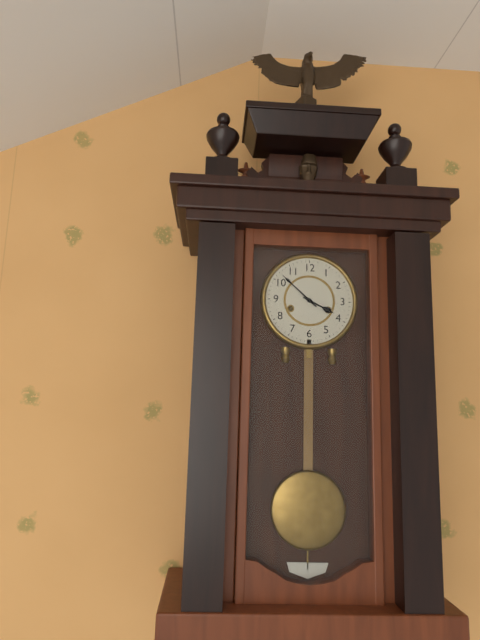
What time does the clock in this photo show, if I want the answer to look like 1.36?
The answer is 3.52
